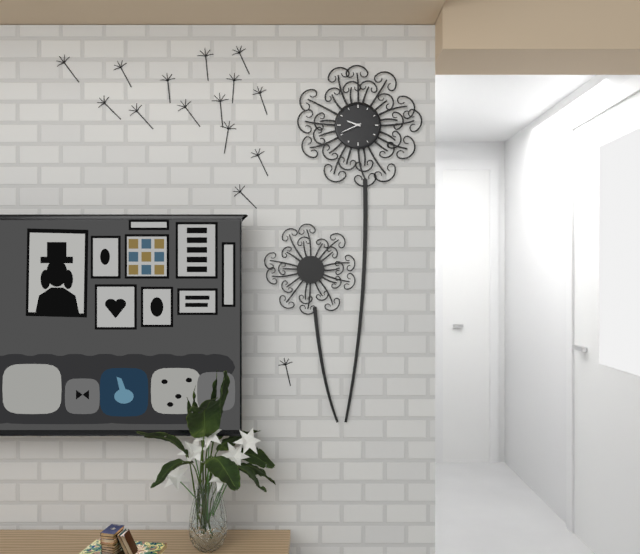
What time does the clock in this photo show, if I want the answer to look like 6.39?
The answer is 9.41
